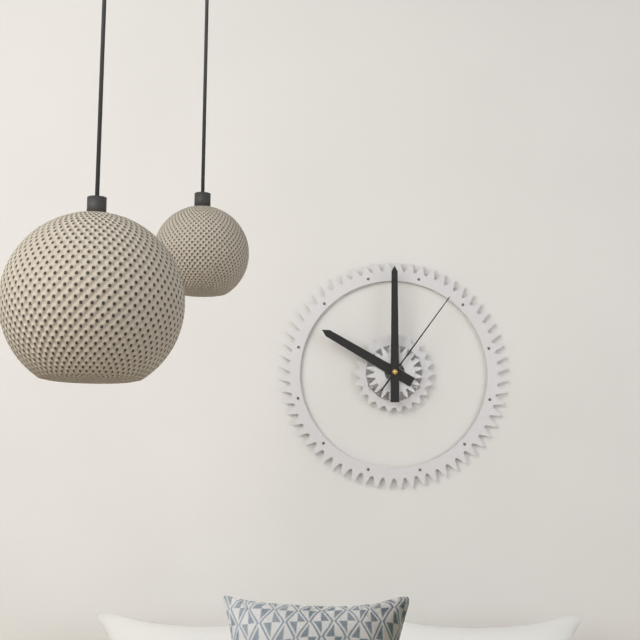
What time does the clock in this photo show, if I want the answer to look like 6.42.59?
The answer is 10.00.06
